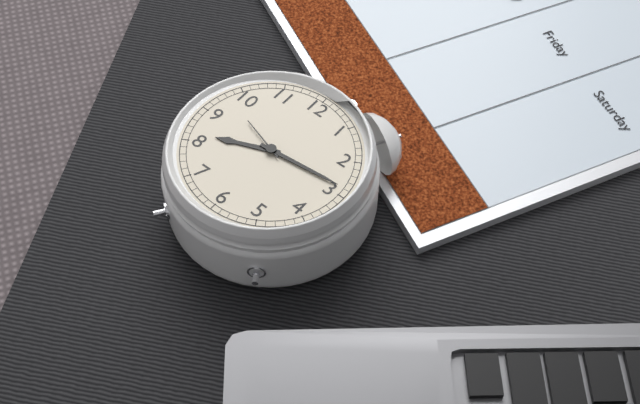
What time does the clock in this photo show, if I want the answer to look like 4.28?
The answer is 8.14
